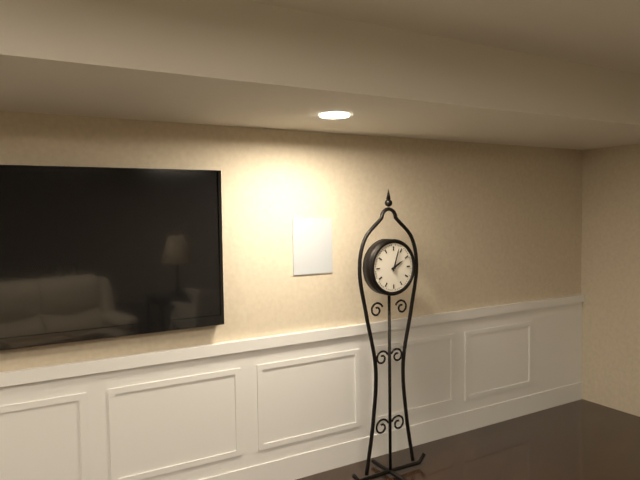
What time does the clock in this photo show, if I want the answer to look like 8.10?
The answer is 2.03
